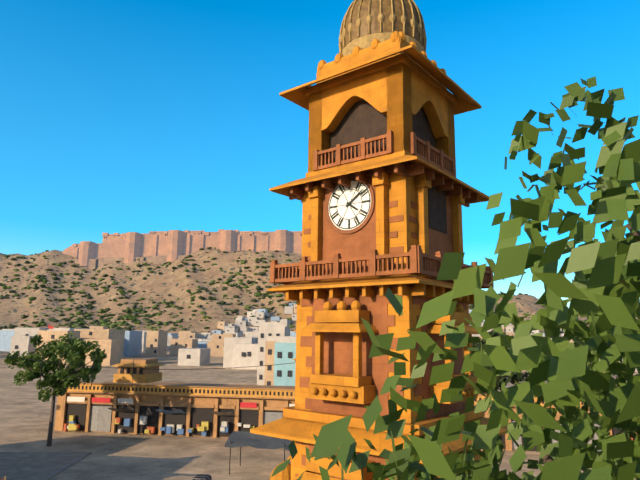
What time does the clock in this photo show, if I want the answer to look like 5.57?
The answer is 4.09
